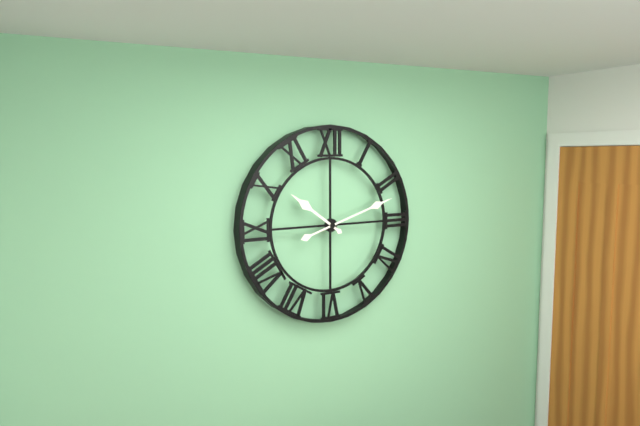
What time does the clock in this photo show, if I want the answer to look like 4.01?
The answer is 10.12
